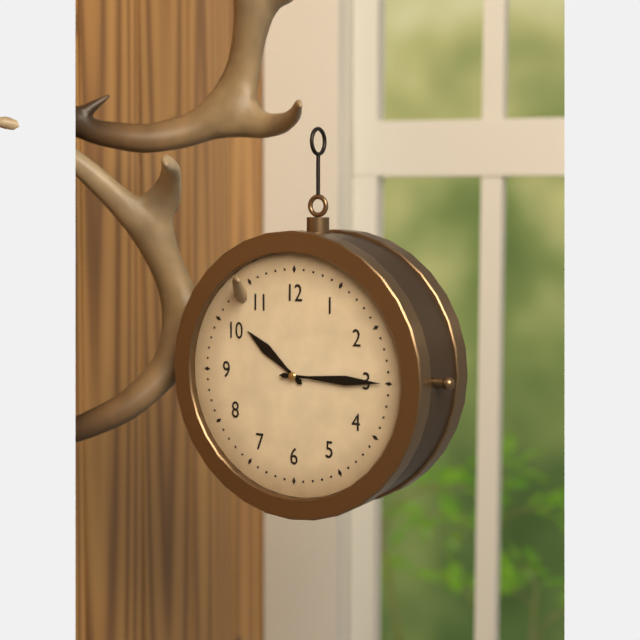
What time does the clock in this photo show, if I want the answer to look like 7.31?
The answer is 10.15
